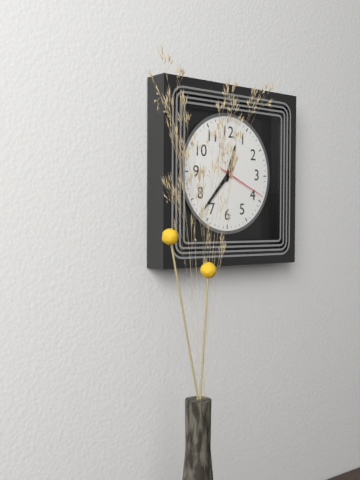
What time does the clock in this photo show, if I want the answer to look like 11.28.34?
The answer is 12.37.19
